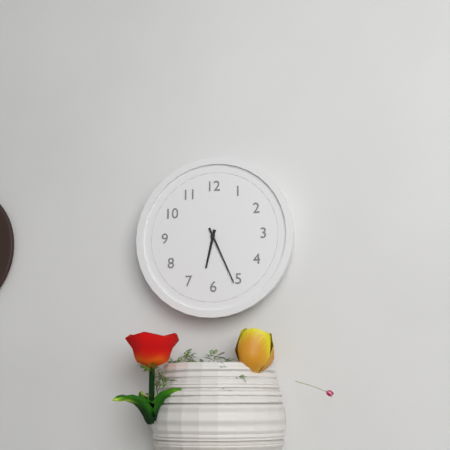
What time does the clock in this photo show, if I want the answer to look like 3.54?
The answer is 6.26
